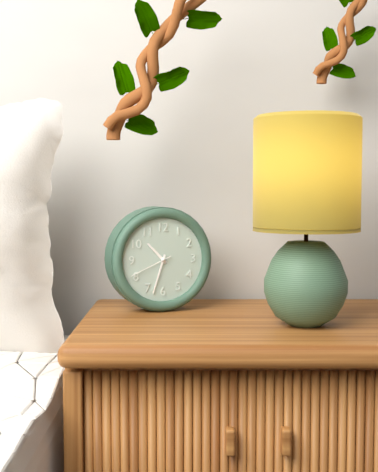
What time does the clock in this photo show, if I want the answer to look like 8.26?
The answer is 10.33
